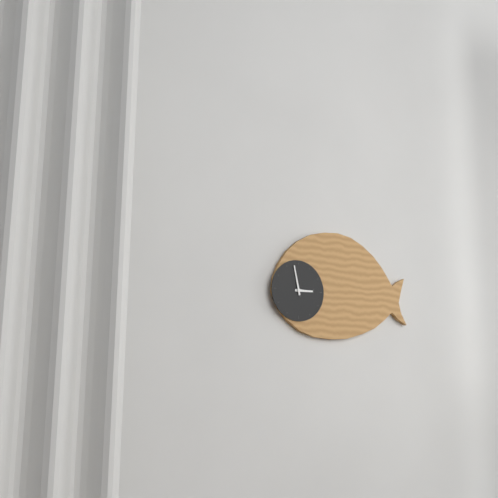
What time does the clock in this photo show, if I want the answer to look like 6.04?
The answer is 2.58
